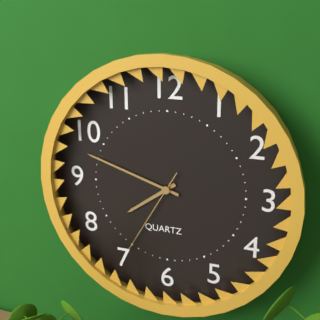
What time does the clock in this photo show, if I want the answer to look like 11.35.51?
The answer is 7.48.35
